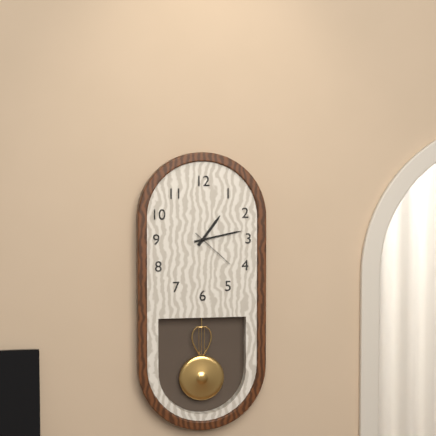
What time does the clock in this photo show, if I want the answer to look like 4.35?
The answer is 1.13
